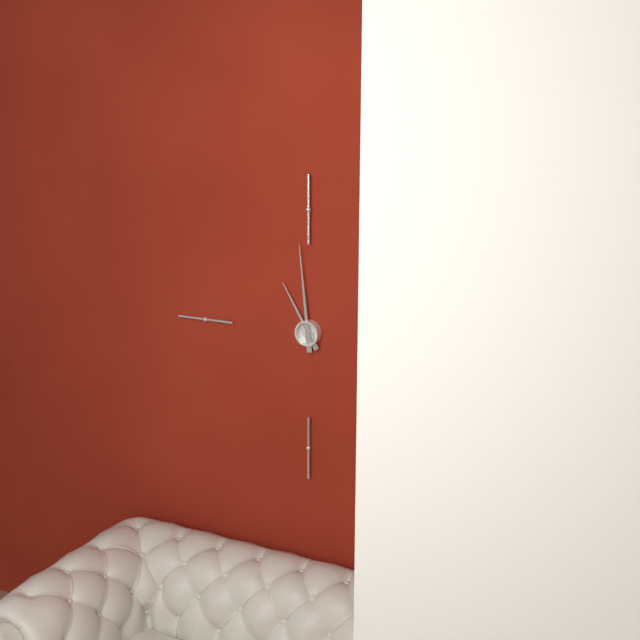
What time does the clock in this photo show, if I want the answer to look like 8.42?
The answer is 10.59
